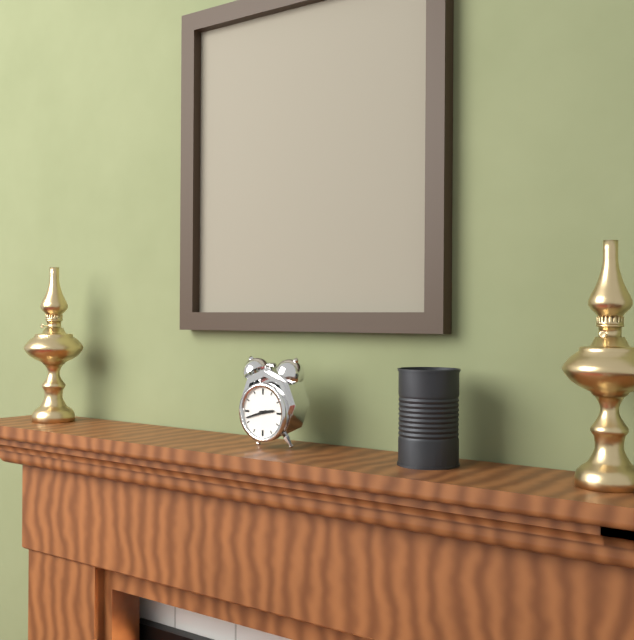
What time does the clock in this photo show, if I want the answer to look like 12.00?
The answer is 2.42
